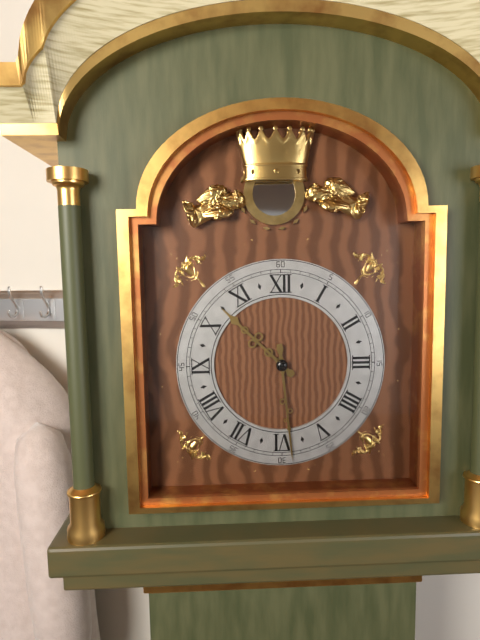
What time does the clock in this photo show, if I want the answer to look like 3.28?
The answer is 10.29
